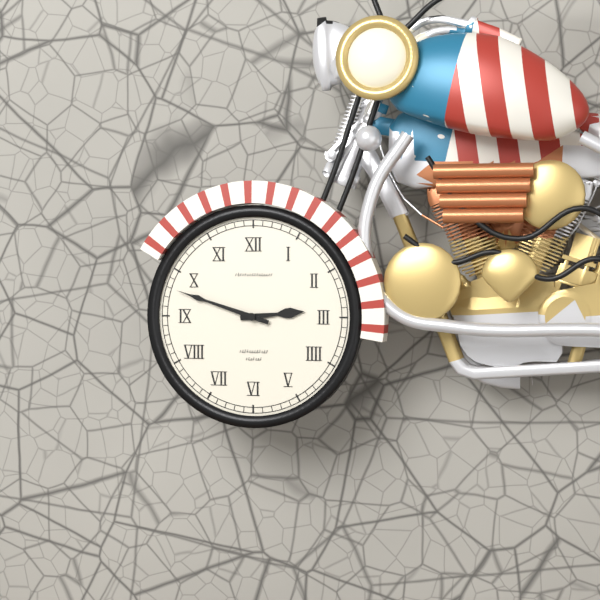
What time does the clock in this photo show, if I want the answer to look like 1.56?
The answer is 2.48
